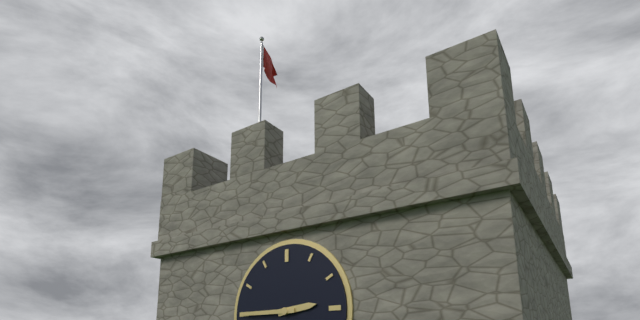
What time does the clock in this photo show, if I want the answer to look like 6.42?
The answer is 2.45
